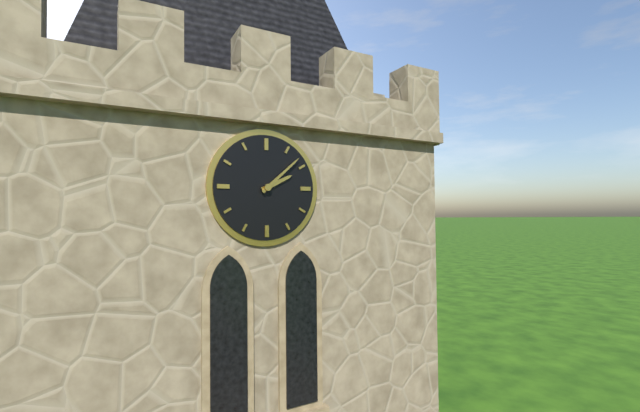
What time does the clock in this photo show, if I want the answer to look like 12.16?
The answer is 2.08
